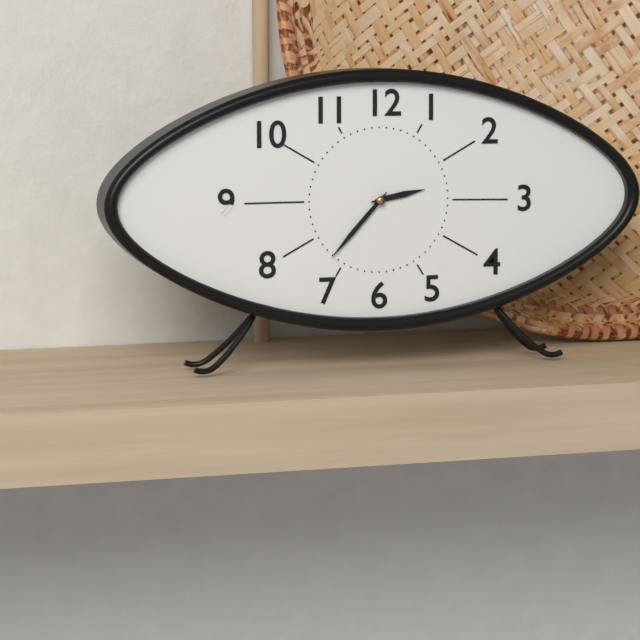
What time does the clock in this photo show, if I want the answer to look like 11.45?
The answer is 2.37
